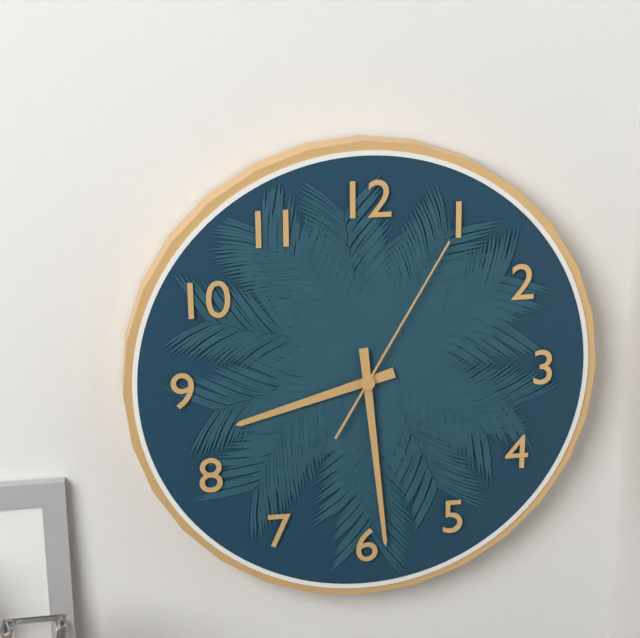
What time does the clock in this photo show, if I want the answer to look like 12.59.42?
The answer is 8.29.05
